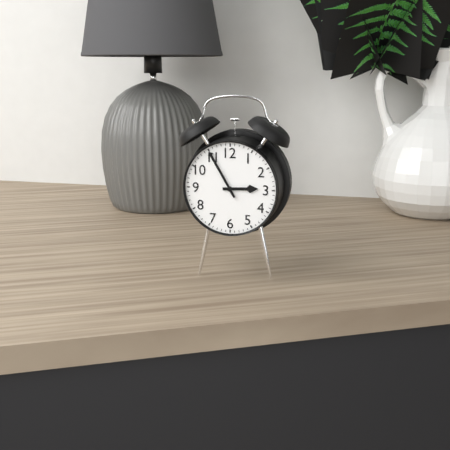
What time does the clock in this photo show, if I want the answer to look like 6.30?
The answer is 2.55
